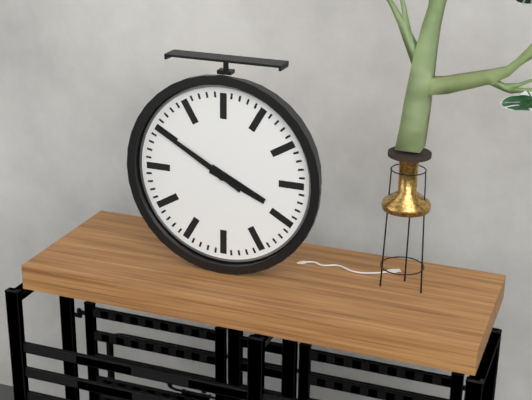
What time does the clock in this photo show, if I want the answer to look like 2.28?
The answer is 3.50
